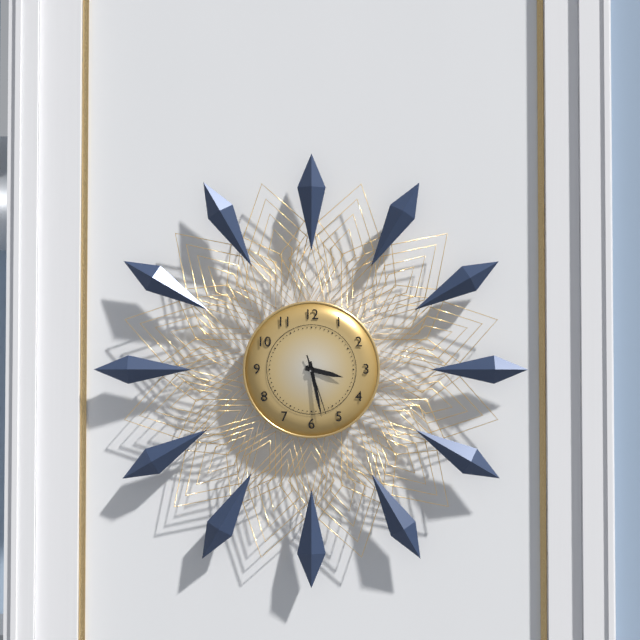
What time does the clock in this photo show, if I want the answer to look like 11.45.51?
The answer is 3.28.27
